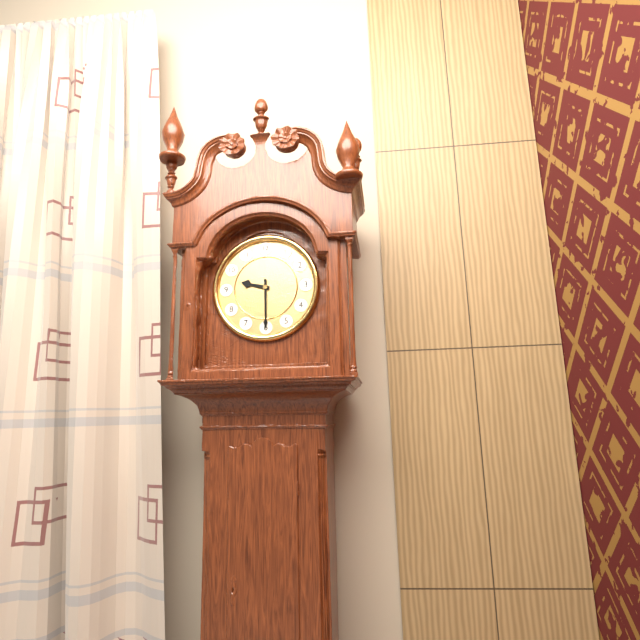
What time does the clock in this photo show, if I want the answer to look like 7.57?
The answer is 9.30
